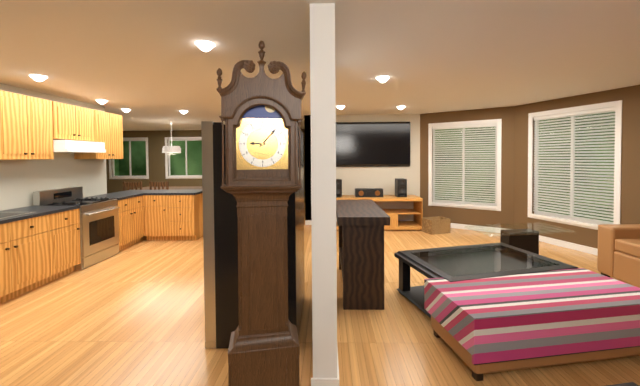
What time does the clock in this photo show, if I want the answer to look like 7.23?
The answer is 9.07
